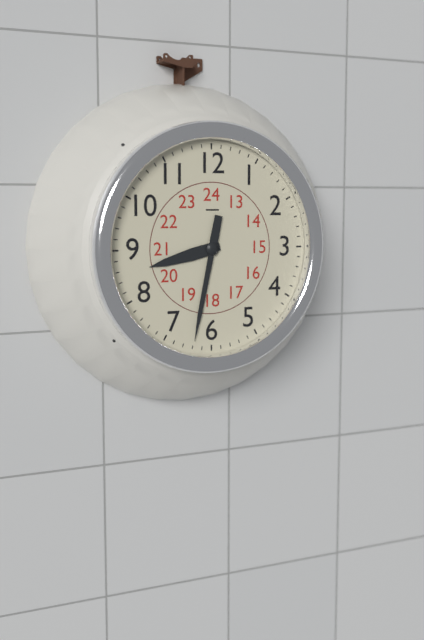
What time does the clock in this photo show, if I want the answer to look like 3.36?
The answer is 8.32
